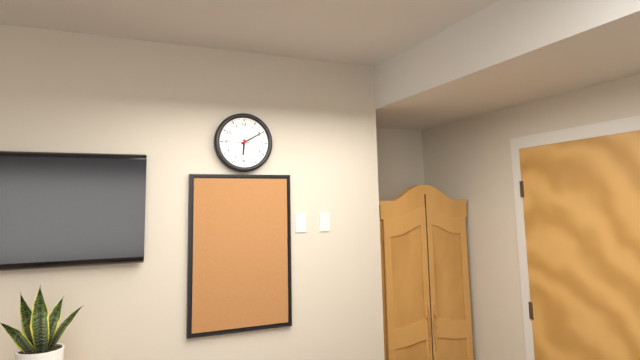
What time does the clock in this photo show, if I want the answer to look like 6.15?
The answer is 6.10
